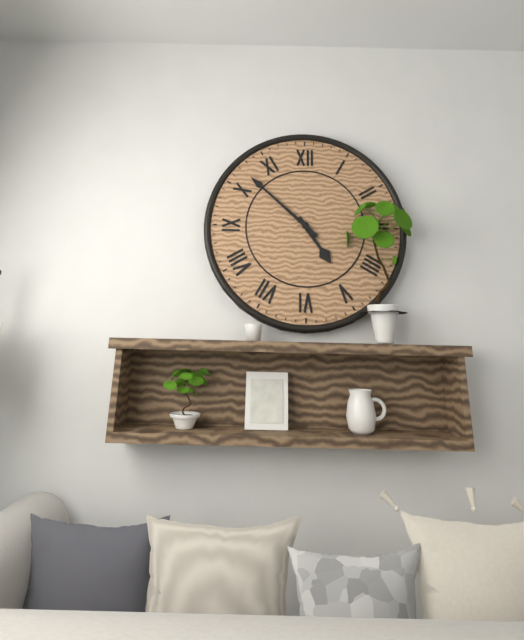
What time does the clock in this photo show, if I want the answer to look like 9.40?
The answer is 4.52
